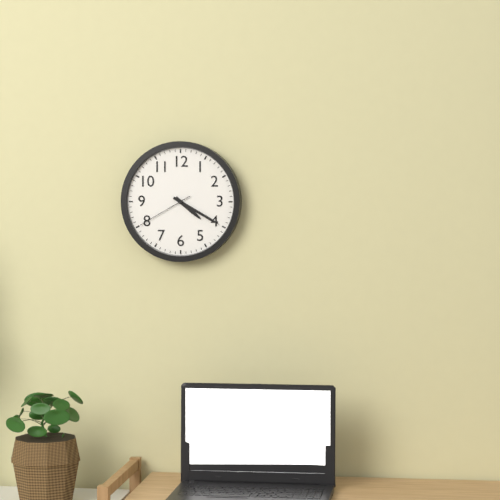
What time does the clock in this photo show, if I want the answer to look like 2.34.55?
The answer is 4.20.40
